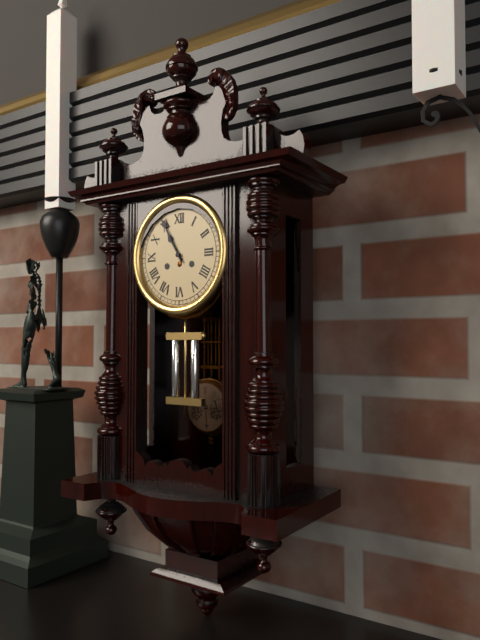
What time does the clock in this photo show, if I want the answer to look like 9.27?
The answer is 10.55
